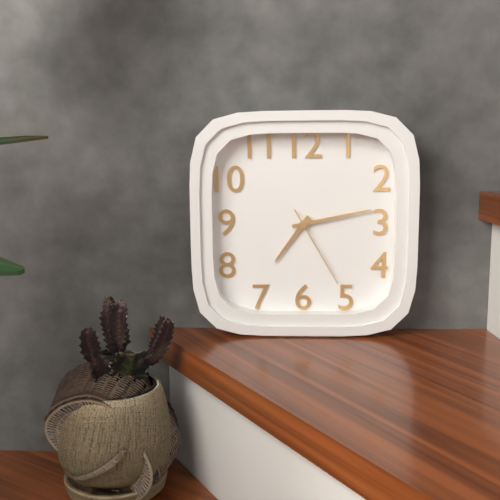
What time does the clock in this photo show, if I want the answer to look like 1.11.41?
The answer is 7.13.25
